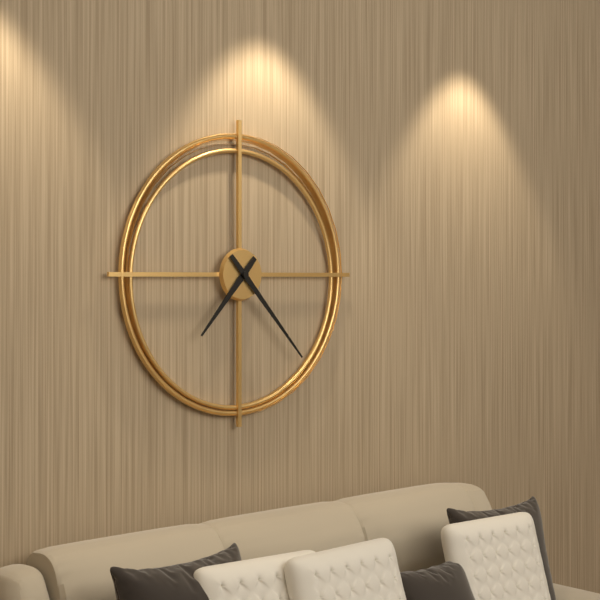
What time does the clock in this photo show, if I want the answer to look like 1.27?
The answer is 7.23
